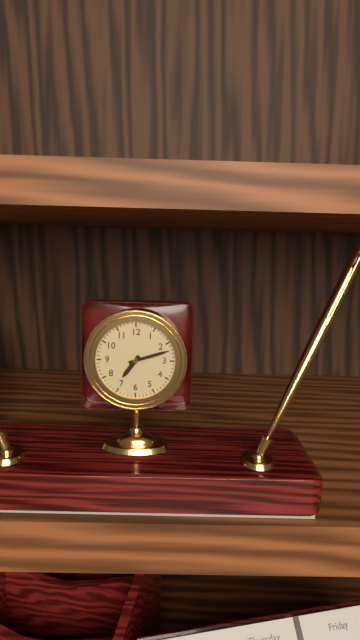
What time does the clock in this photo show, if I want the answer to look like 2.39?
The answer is 7.12
